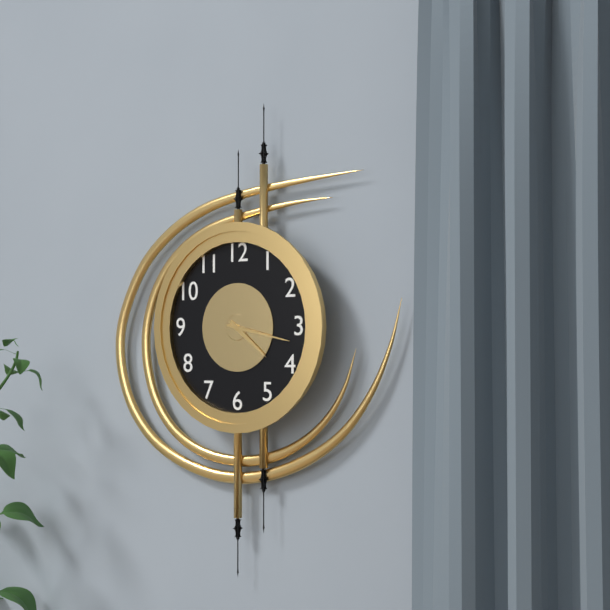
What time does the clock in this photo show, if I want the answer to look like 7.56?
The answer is 4.17
